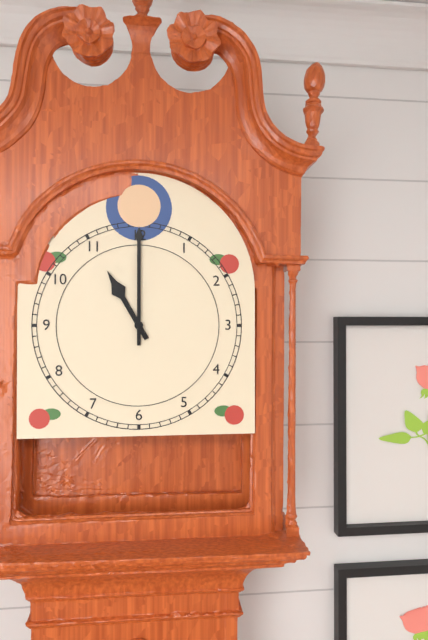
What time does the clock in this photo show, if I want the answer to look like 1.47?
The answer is 11.00
